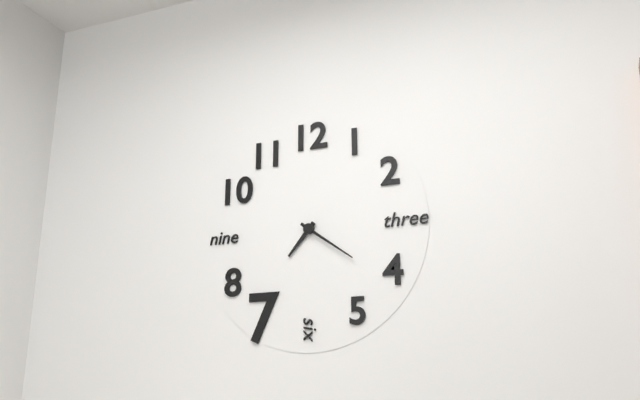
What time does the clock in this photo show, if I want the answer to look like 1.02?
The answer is 7.21
